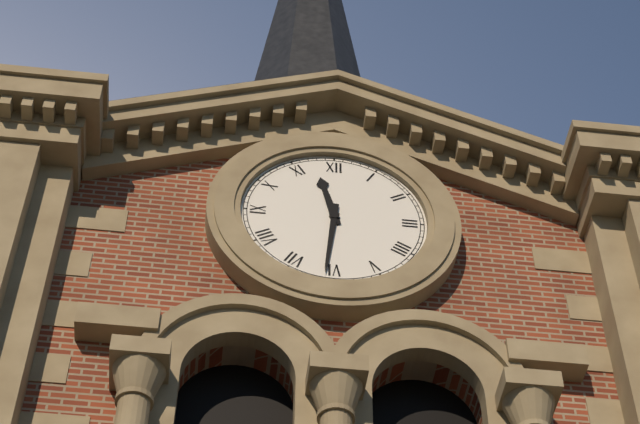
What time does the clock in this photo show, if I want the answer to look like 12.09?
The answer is 11.31
